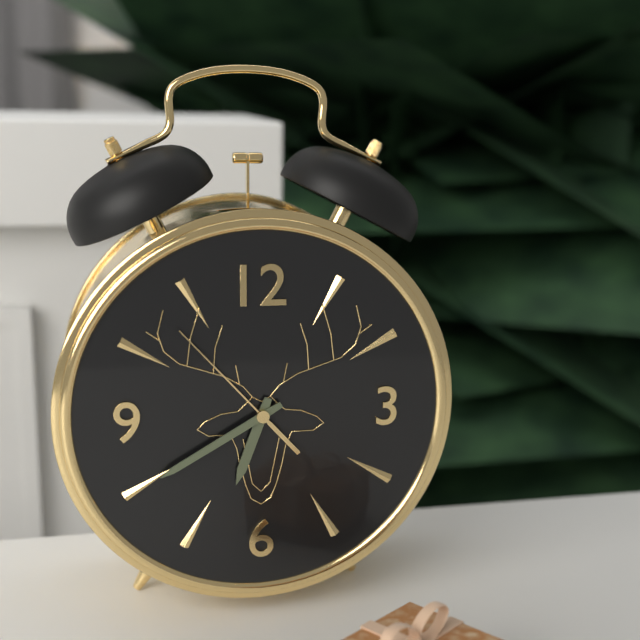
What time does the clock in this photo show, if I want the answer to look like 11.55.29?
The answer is 6.40.53
